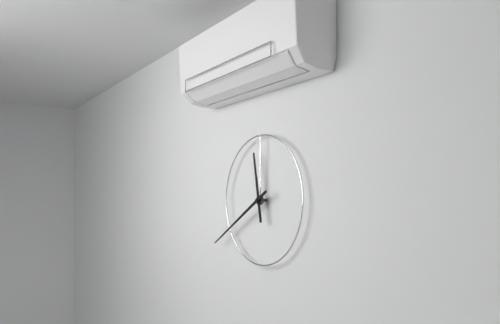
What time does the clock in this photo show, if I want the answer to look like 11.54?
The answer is 11.40
